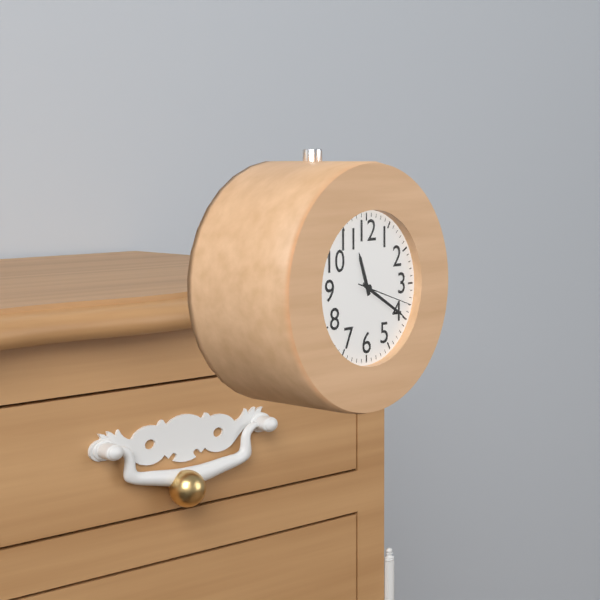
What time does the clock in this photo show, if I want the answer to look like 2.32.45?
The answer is 11.20.18
